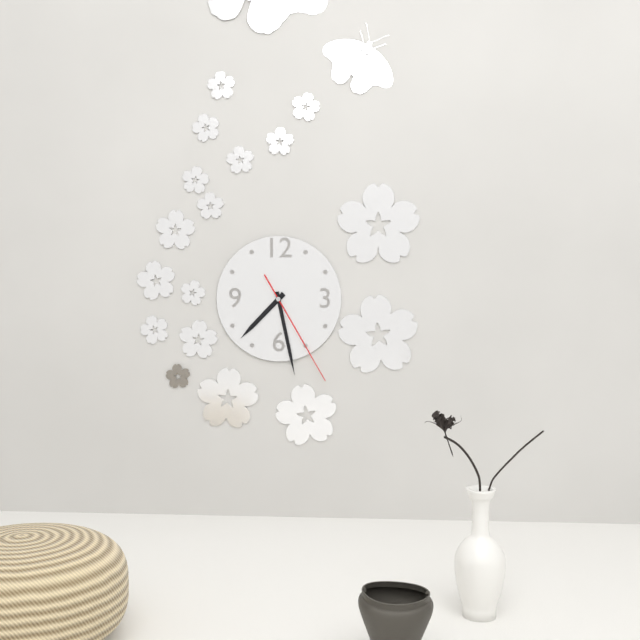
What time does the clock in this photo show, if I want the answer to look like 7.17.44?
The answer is 7.28.25
